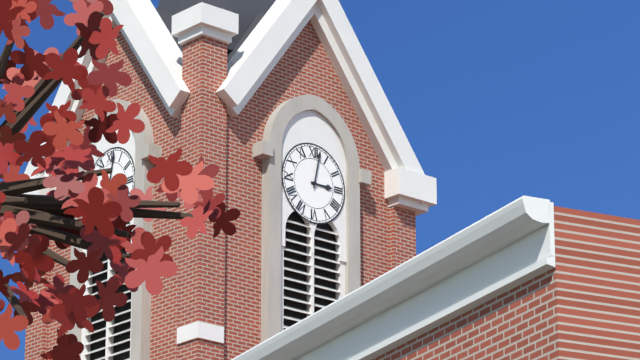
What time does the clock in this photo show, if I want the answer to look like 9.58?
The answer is 3.02
